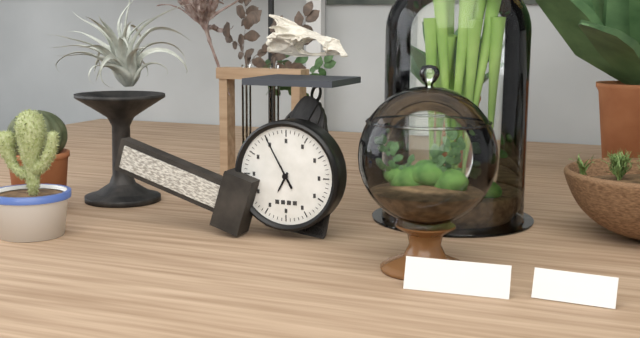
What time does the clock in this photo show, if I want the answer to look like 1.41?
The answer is 6.55
